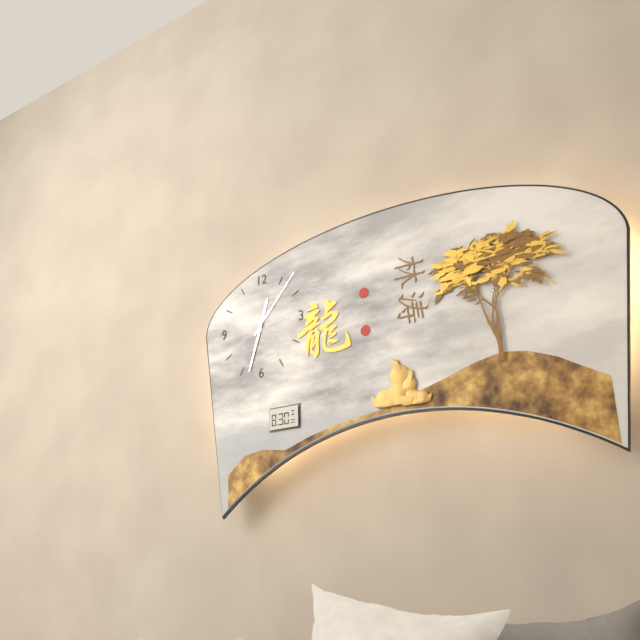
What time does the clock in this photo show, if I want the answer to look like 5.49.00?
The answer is 12.33.07
